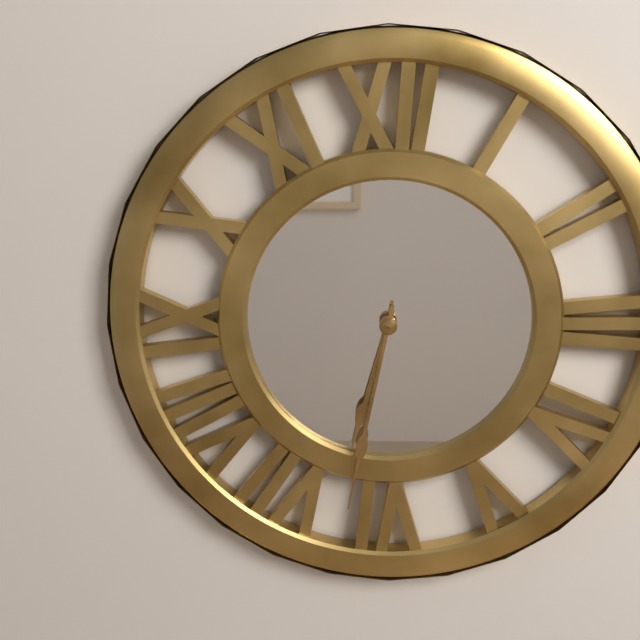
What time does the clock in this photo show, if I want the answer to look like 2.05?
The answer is 6.32
